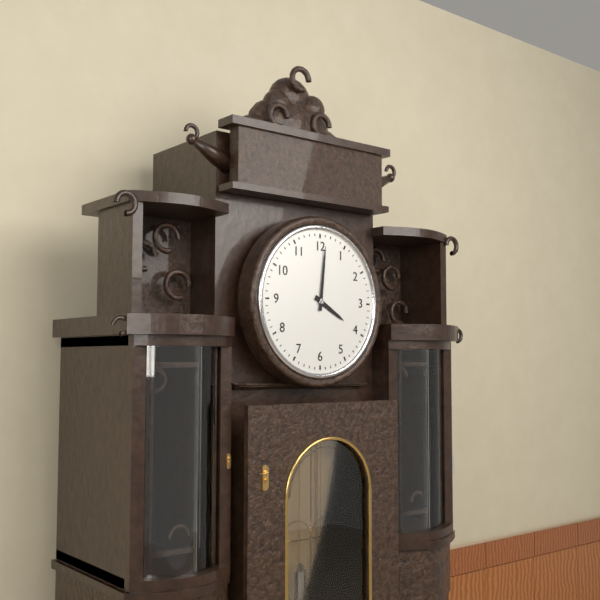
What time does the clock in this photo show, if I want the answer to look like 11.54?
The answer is 4.01
